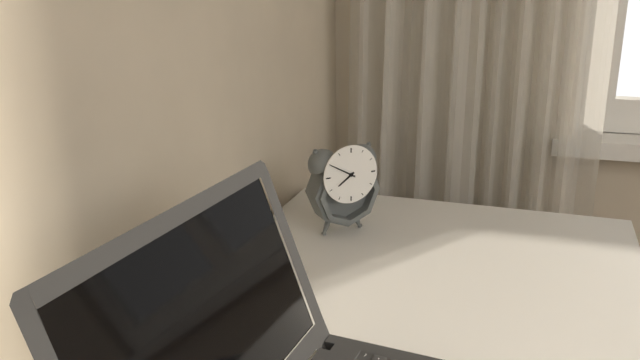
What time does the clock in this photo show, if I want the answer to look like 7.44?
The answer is 7.50
